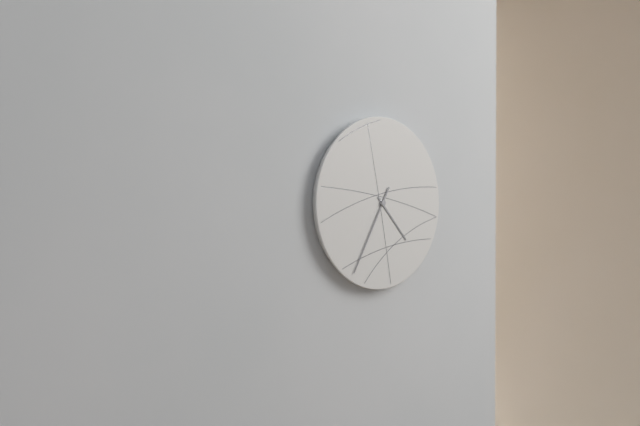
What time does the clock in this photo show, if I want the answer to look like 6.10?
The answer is 4.35
